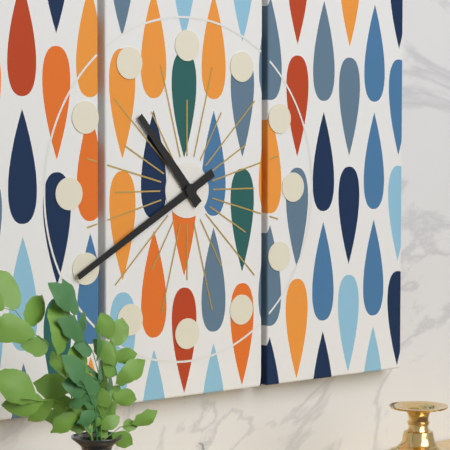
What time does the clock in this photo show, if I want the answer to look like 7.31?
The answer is 10.40
